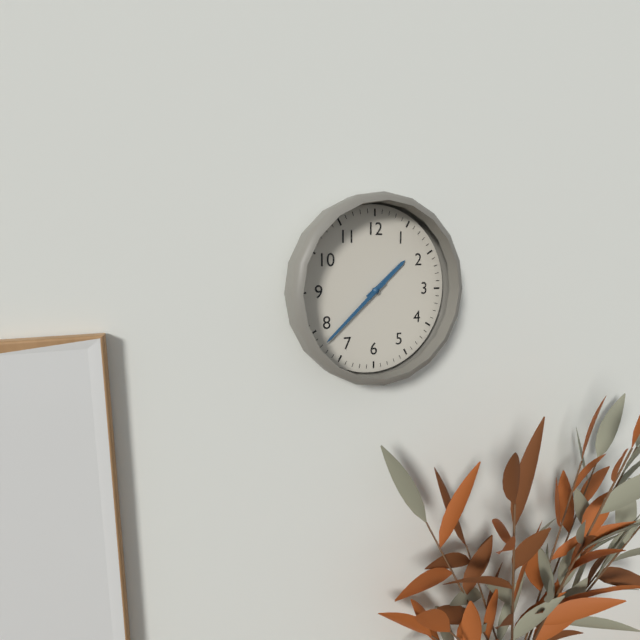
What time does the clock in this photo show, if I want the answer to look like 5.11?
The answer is 1.38
